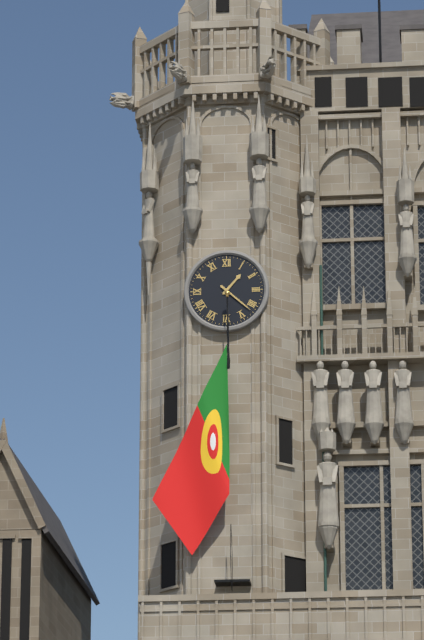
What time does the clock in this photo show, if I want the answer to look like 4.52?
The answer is 1.22
